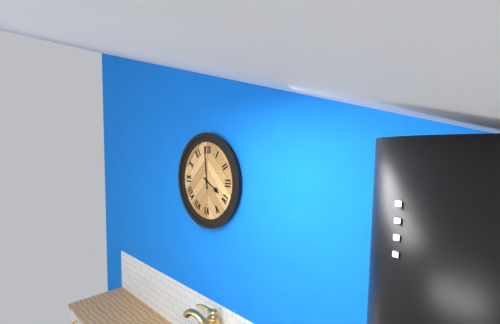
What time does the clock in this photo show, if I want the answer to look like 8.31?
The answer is 3.59
